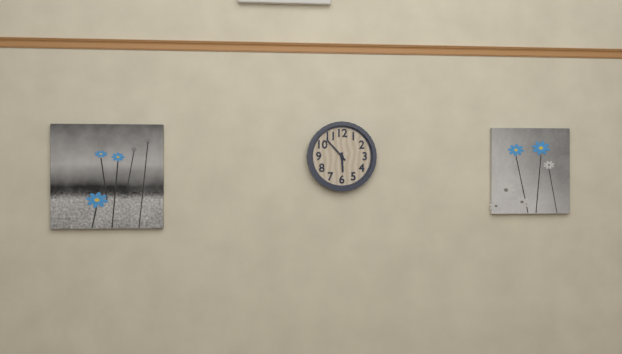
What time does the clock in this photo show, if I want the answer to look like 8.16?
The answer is 5.53
